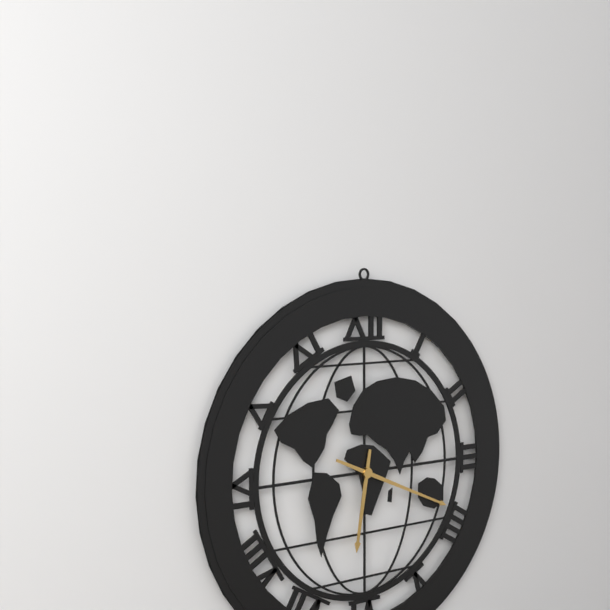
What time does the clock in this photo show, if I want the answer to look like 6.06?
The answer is 6.19
